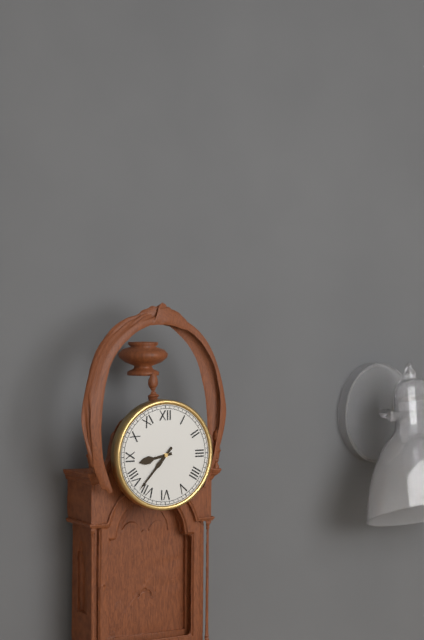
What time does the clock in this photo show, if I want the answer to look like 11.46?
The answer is 8.37
